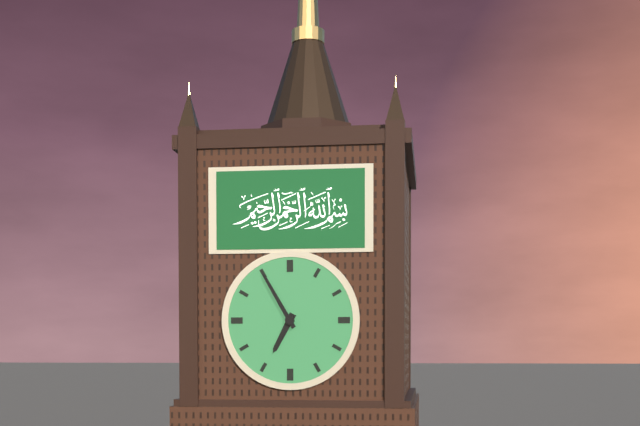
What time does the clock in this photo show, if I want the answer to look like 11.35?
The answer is 6.55
